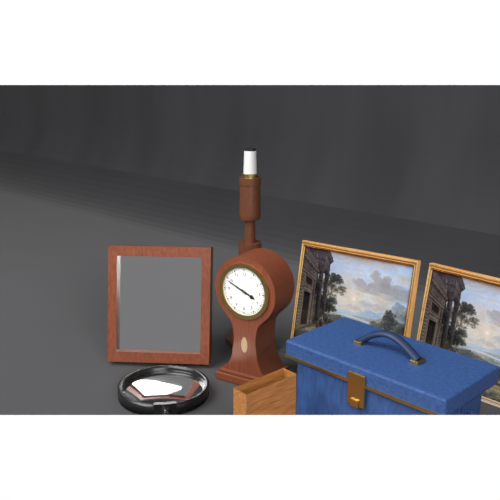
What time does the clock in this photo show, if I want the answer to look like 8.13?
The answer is 3.49
